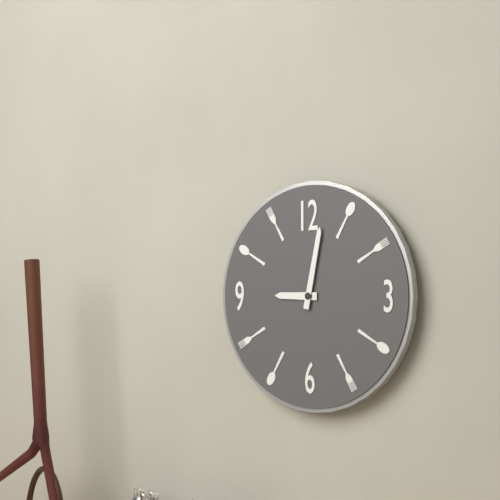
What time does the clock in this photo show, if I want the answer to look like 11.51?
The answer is 9.02
